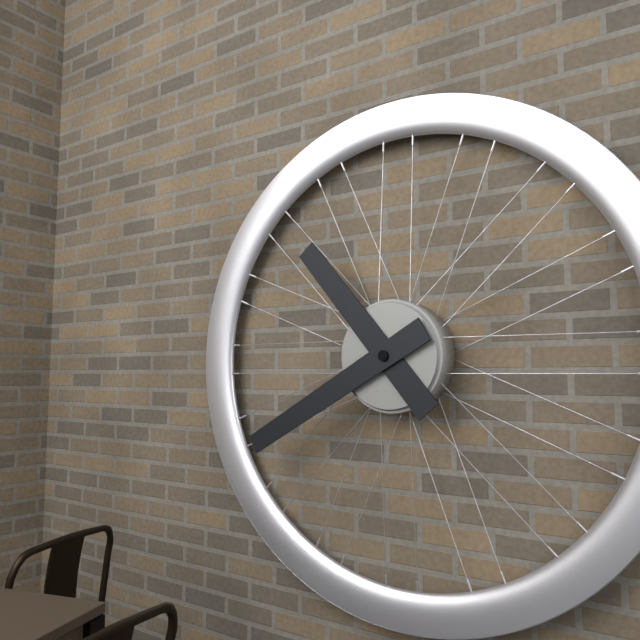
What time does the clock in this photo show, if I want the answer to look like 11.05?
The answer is 10.40
